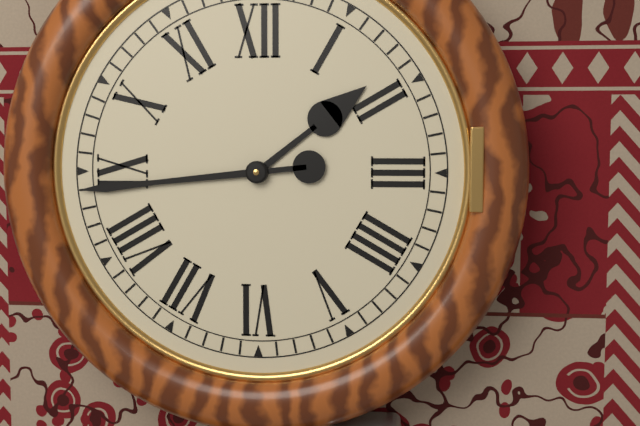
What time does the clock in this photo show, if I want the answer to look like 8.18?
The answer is 1.44
